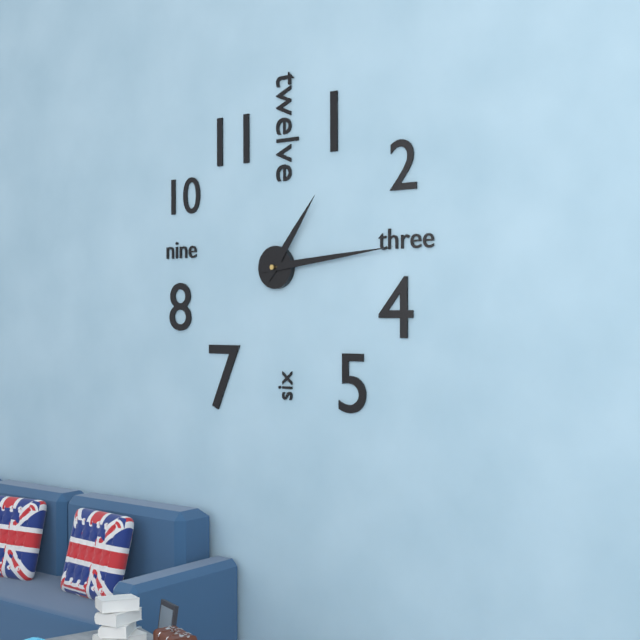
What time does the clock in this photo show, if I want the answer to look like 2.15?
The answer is 1.14
